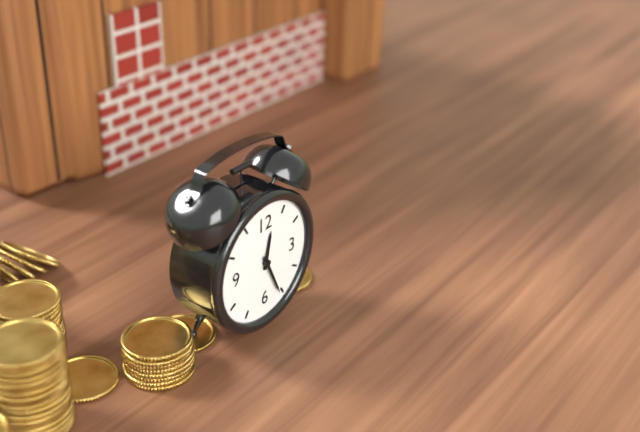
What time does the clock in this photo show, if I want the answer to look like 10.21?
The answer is 12.26
